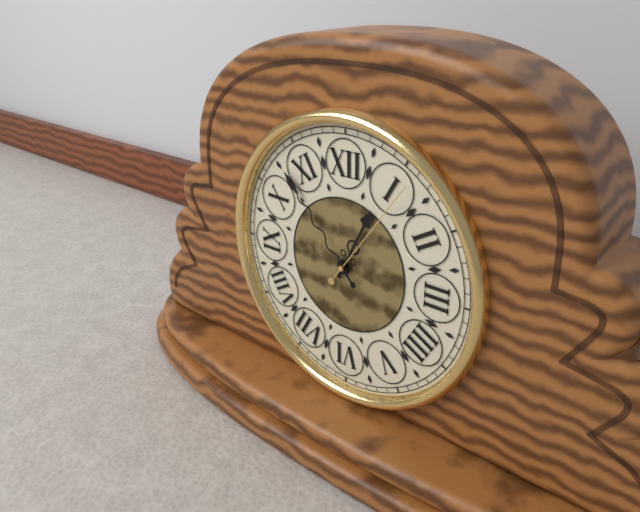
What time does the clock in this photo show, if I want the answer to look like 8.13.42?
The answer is 12.53.06
